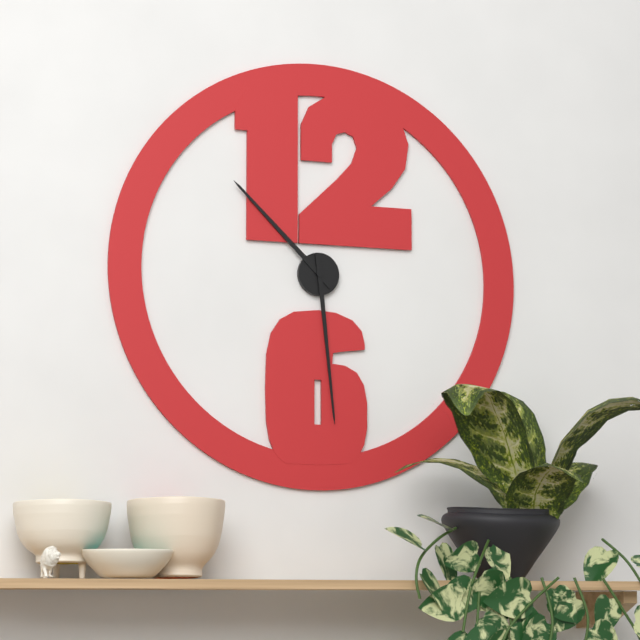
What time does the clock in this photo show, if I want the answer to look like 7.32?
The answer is 10.29
